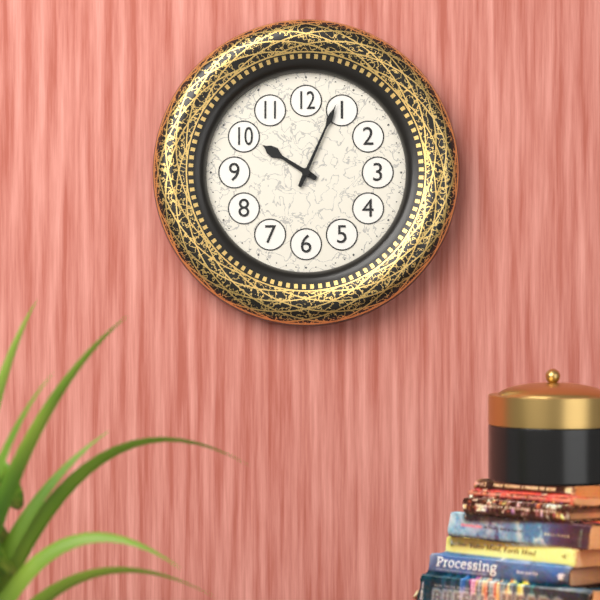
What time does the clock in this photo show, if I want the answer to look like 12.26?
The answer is 10.04
